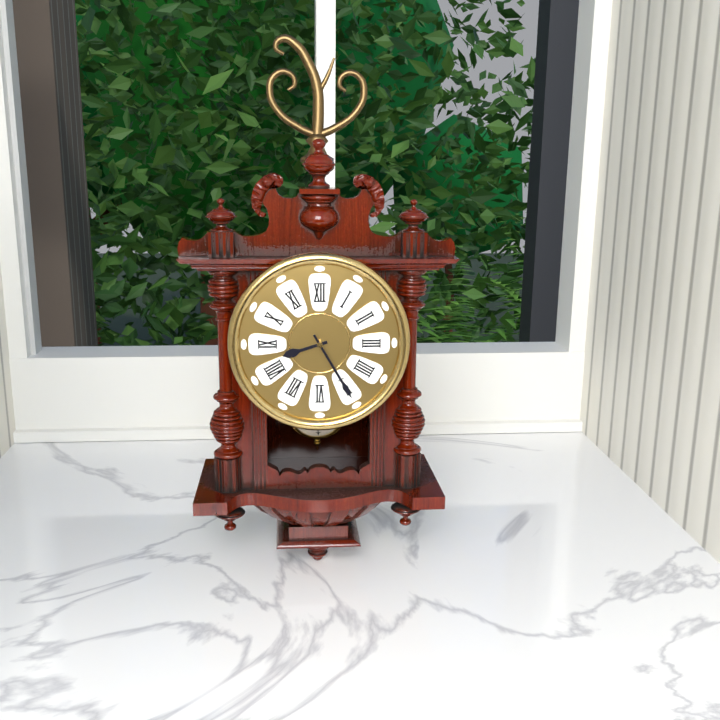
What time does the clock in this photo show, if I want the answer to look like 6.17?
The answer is 8.25
